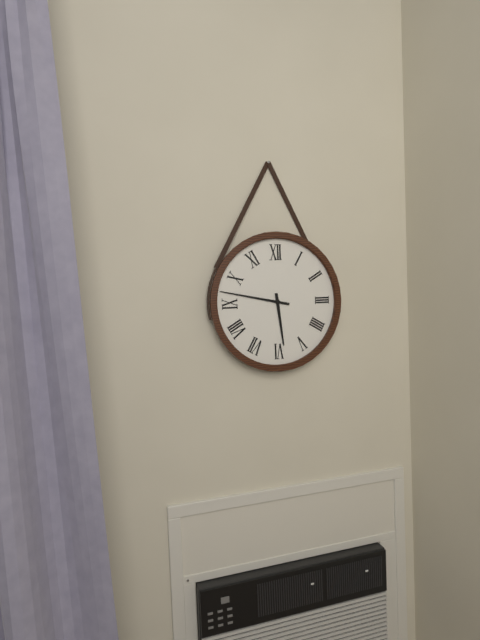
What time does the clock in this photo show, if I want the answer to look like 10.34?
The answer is 5.47
